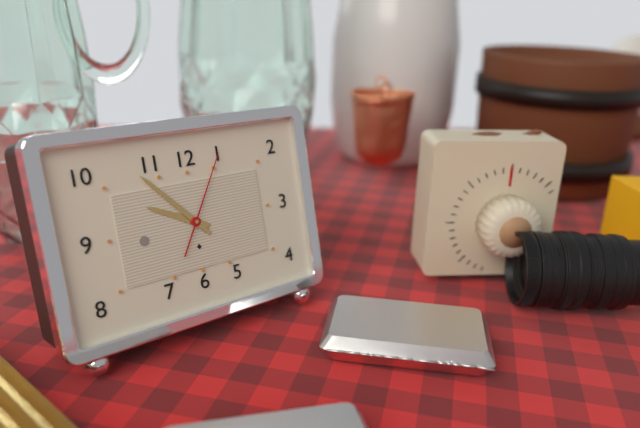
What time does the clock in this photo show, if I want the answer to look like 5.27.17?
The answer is 9.53.05
